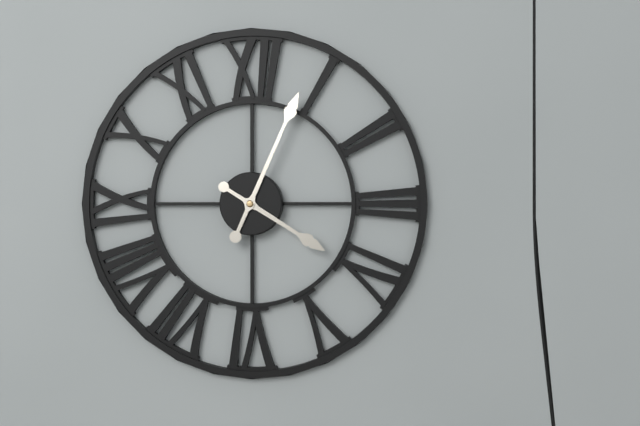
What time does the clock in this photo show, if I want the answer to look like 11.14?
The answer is 4.04
